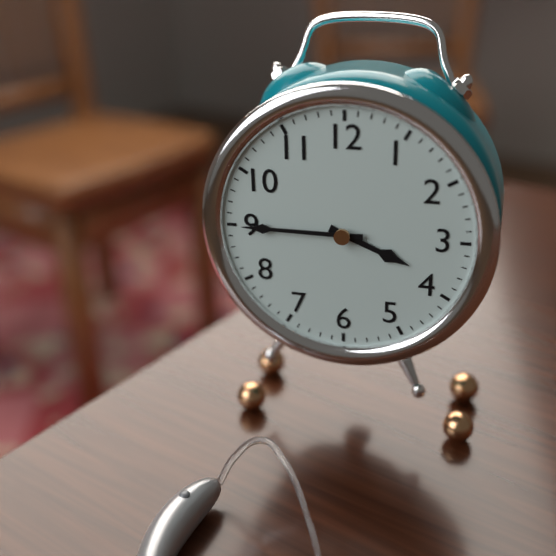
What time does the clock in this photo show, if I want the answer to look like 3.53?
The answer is 3.45
